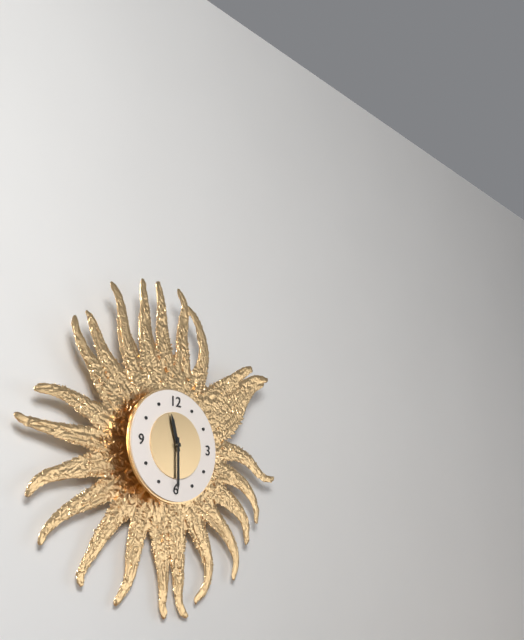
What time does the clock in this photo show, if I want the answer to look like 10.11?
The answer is 11.30
